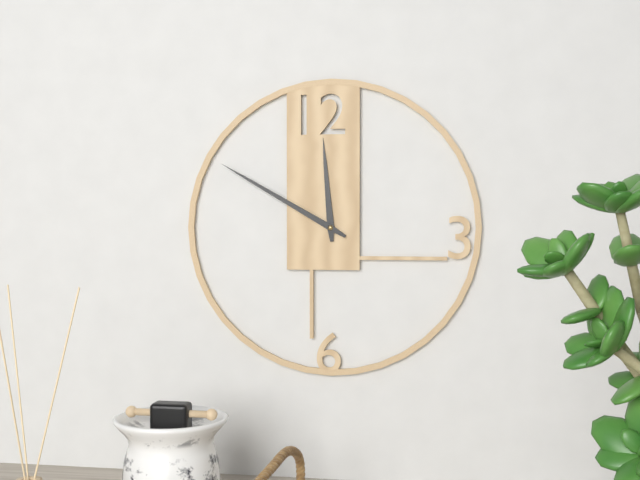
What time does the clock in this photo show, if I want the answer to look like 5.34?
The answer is 11.50
